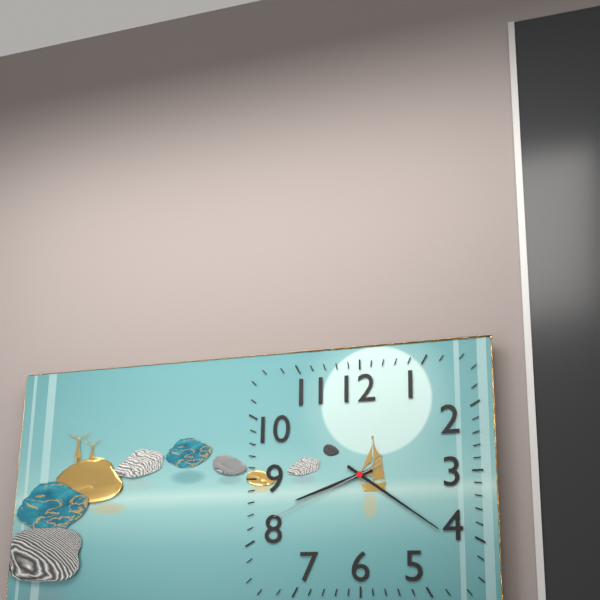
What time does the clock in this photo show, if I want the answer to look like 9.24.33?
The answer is 8.21.41
